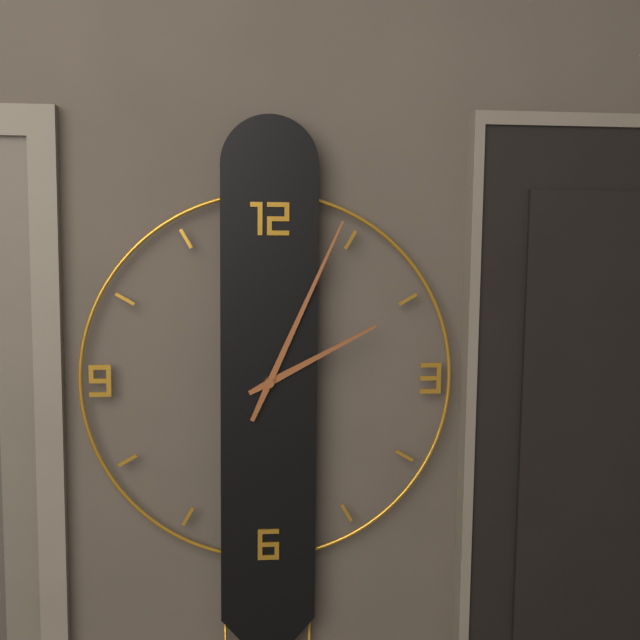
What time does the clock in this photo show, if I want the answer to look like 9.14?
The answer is 2.04
